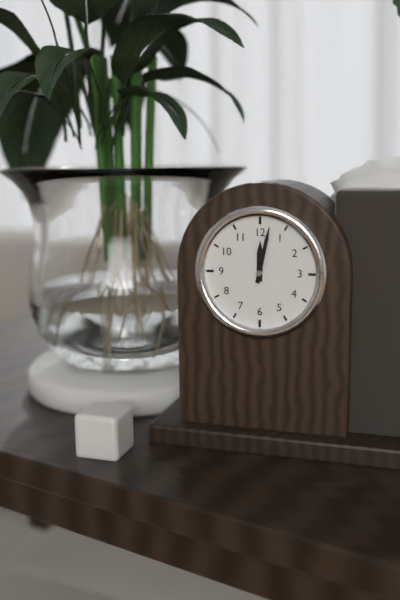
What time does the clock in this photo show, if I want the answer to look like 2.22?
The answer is 12.02
